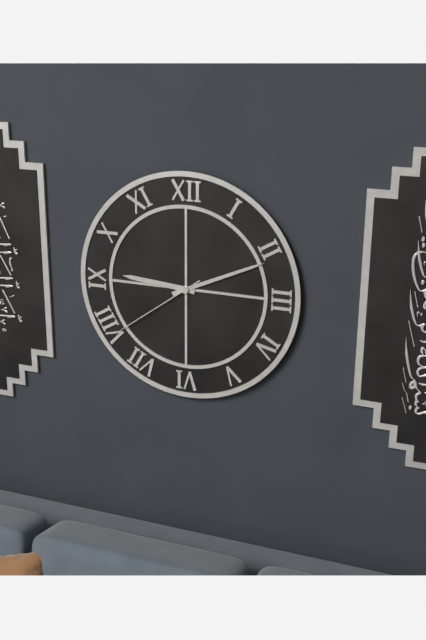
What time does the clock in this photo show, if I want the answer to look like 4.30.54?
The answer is 9.11.39
